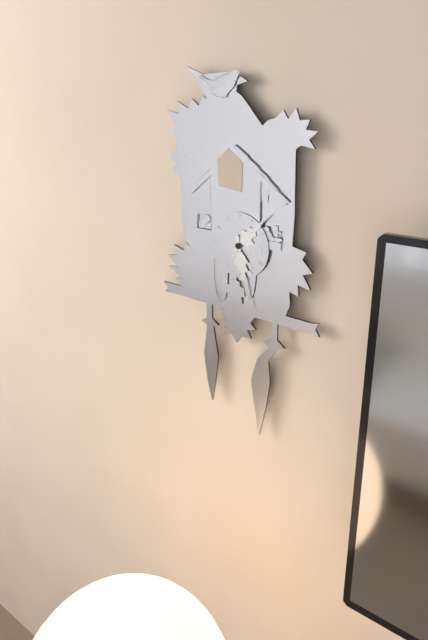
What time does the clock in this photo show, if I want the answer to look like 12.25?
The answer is 1.28
